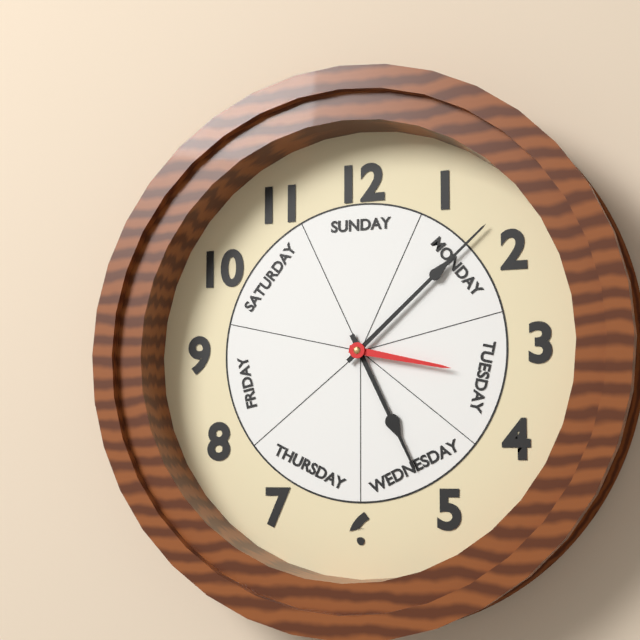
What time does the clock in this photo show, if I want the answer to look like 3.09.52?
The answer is 5.08.17
